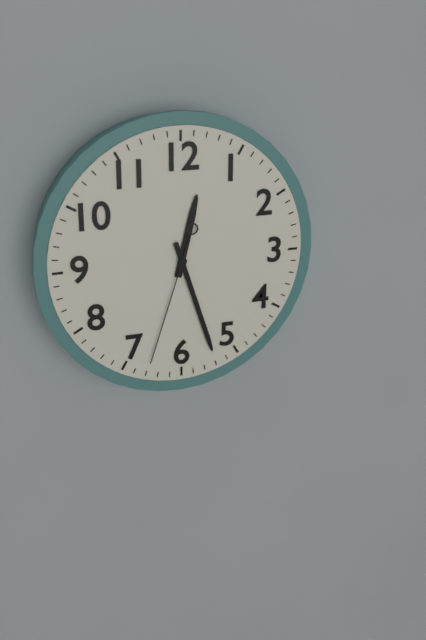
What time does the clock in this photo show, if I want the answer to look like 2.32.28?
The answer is 12.27.33
